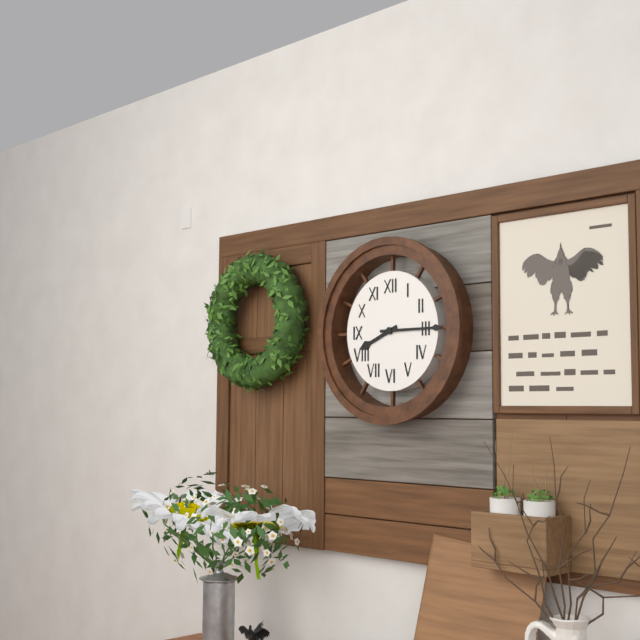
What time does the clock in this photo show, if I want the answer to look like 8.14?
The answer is 8.15
